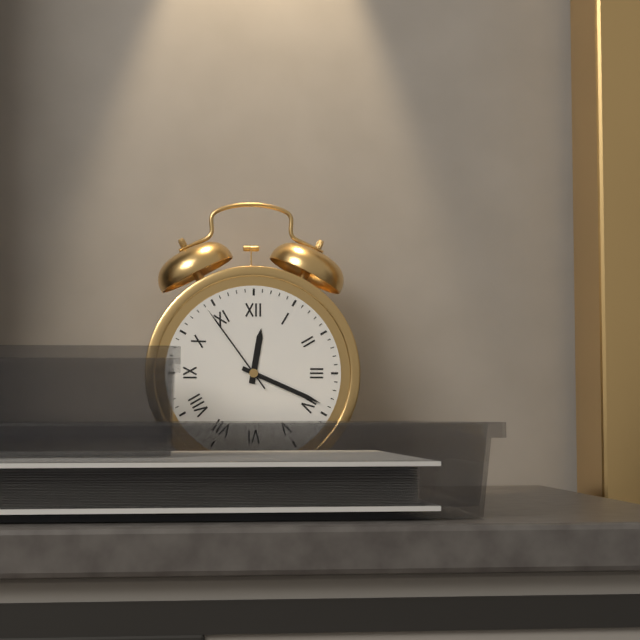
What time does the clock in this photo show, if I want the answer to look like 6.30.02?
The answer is 12.19.54
